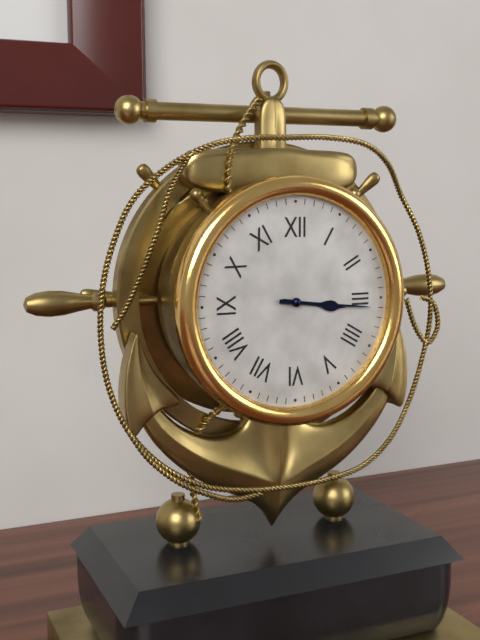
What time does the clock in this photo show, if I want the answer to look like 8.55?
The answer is 3.16
